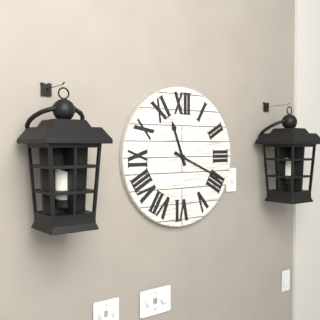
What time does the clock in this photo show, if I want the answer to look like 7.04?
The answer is 11.19
